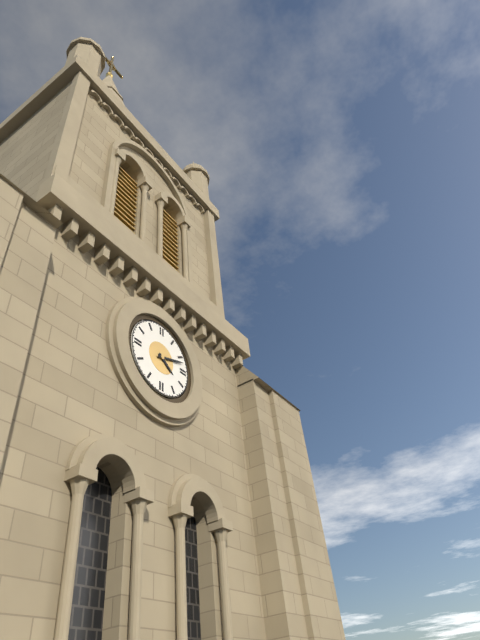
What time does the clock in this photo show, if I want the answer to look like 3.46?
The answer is 4.12
